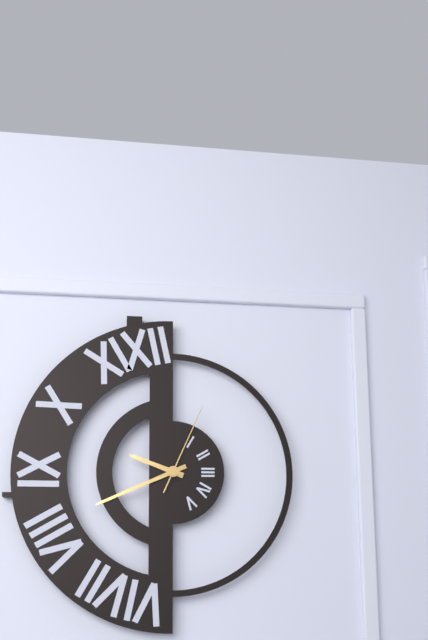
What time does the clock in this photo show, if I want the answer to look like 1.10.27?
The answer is 9.41.04
